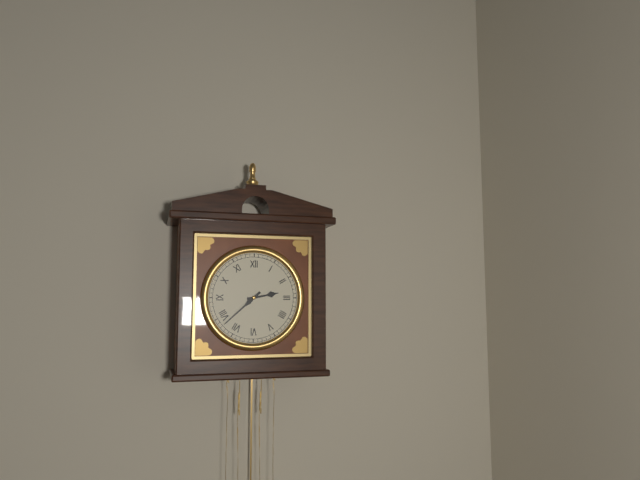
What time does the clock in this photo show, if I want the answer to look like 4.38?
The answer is 2.38
